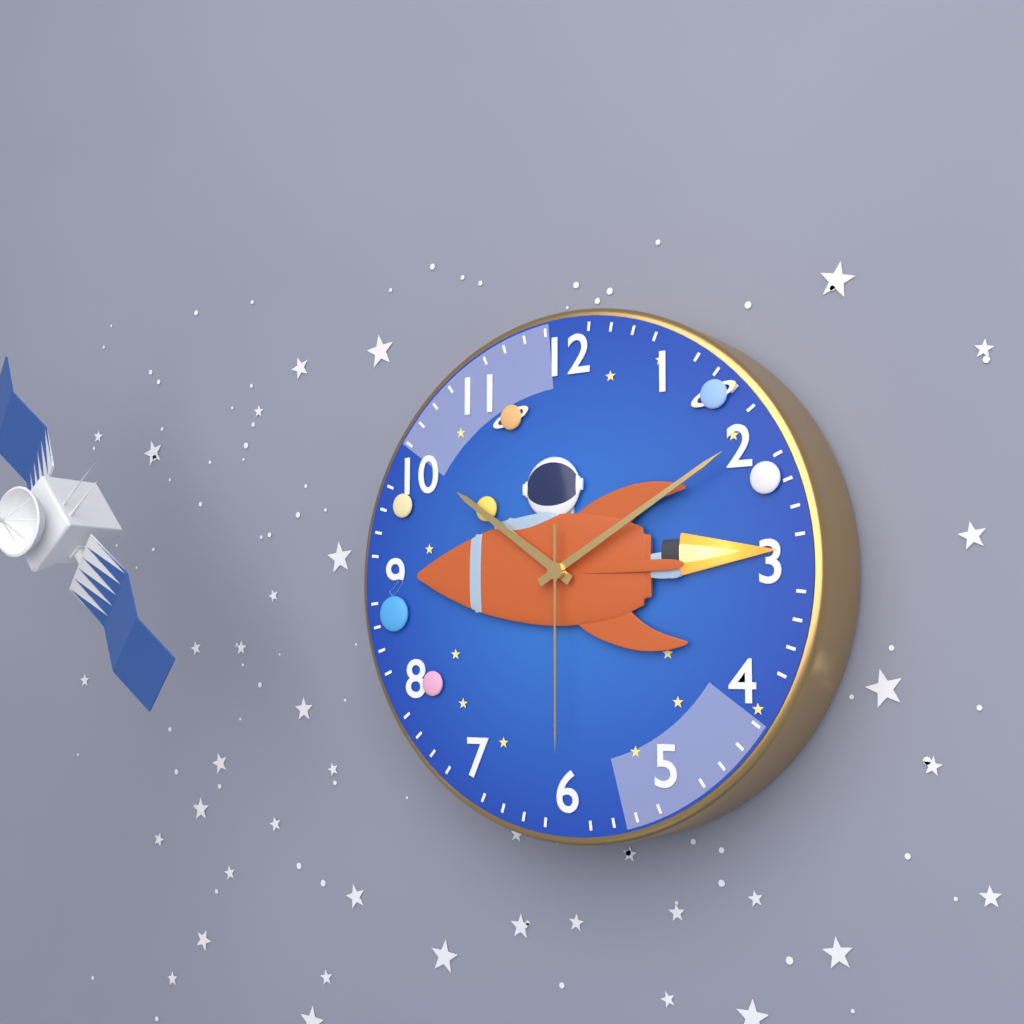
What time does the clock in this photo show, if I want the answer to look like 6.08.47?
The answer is 10.10.30
